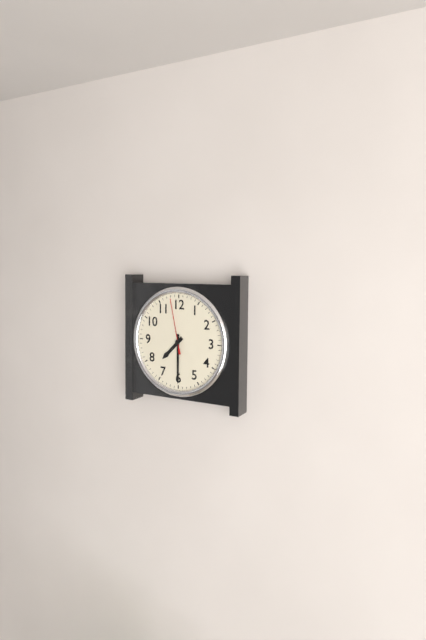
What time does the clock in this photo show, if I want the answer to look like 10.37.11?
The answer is 7.30.58
